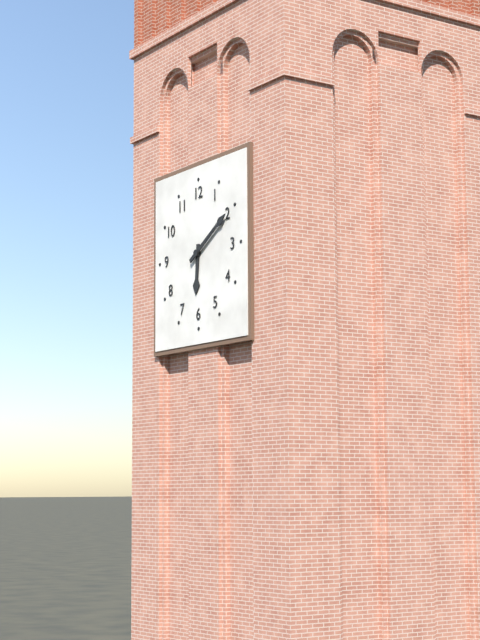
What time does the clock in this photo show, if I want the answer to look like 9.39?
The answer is 6.10
